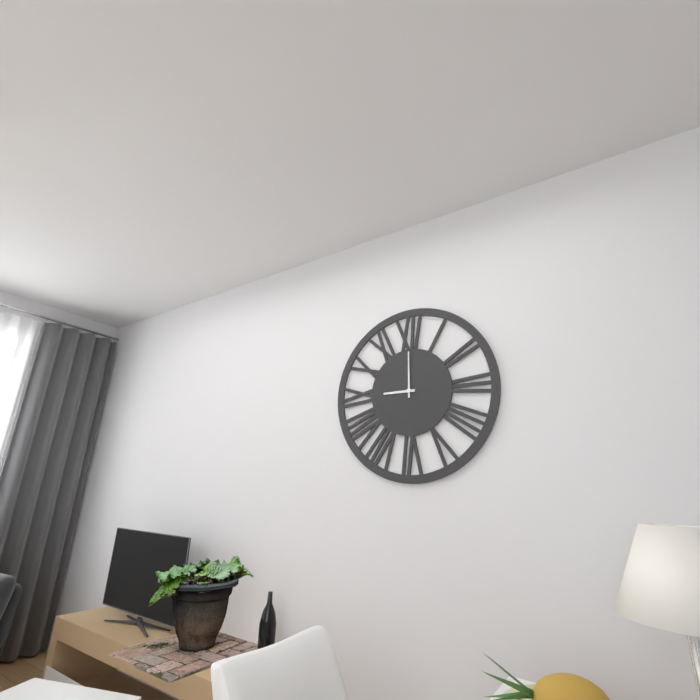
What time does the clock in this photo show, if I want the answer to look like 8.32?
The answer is 9.00
